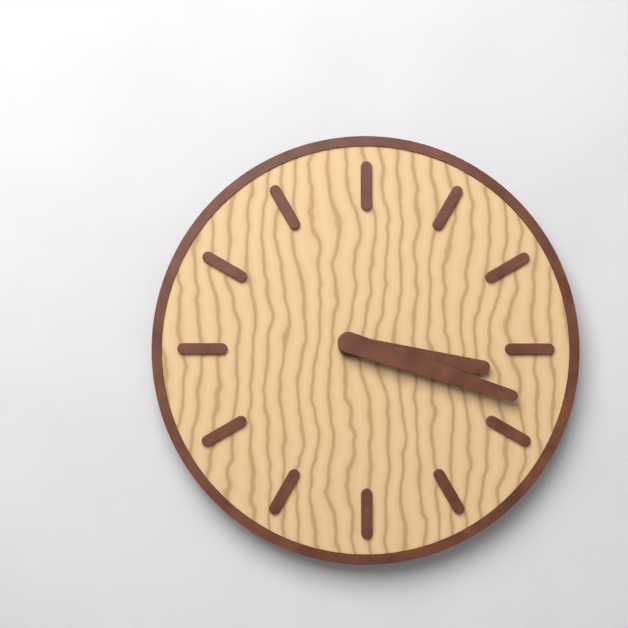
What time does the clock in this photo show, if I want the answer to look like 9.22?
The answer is 3.18
